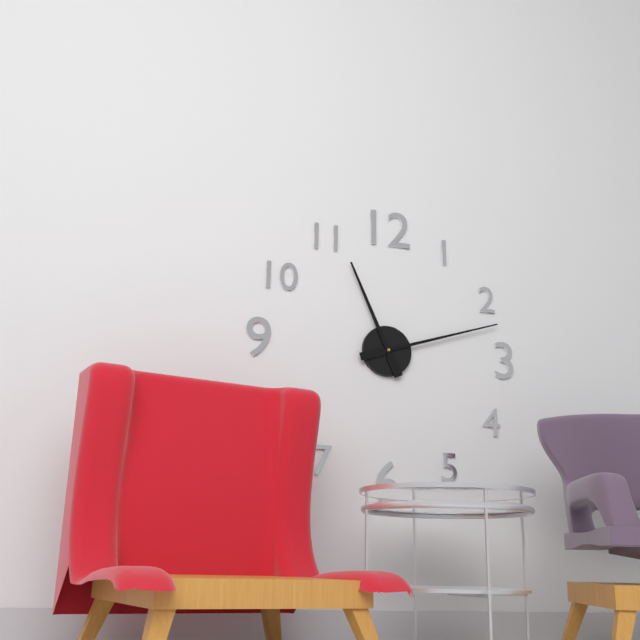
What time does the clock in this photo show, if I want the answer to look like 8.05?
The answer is 11.12
